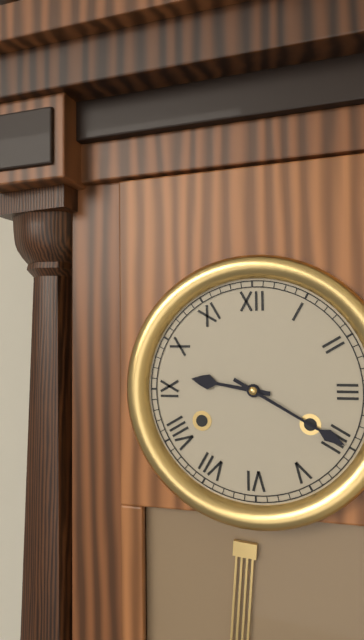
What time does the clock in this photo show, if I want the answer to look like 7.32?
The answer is 9.20
